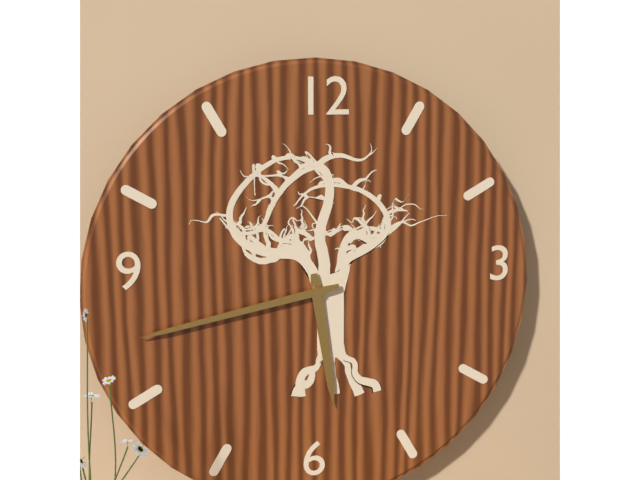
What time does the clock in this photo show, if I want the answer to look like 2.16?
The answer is 5.43
